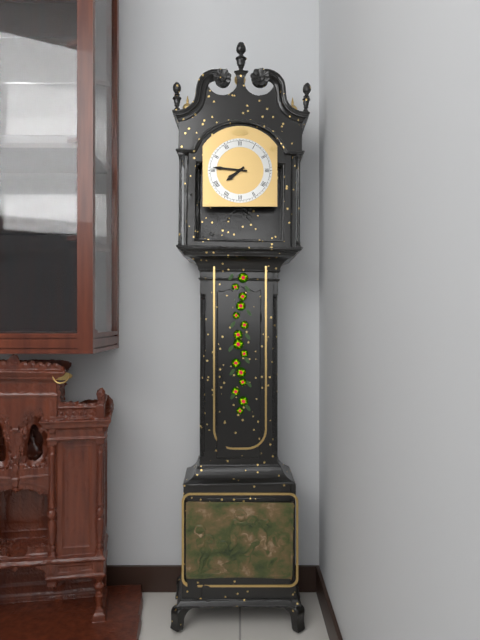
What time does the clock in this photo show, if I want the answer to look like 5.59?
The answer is 7.46
